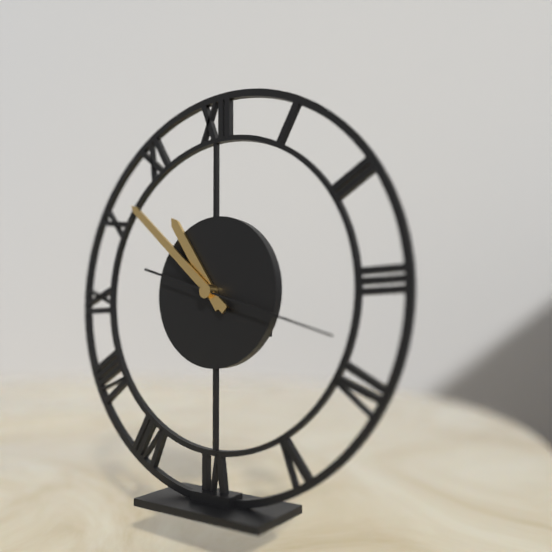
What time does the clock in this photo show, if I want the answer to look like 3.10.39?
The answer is 10.52.18
